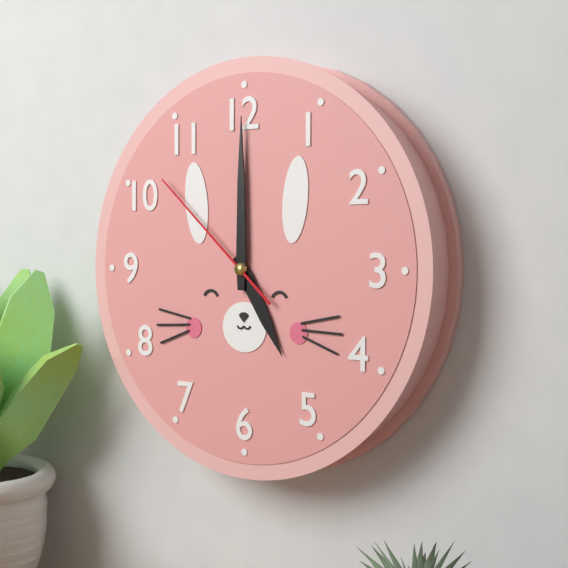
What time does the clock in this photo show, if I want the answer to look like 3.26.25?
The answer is 5.00.52
